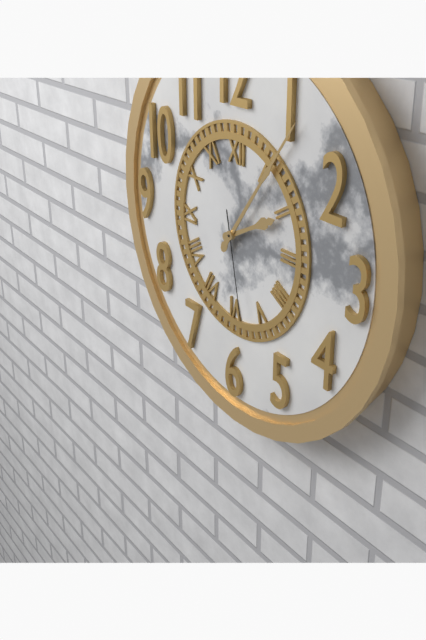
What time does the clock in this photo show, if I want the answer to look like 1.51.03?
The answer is 2.06.28
